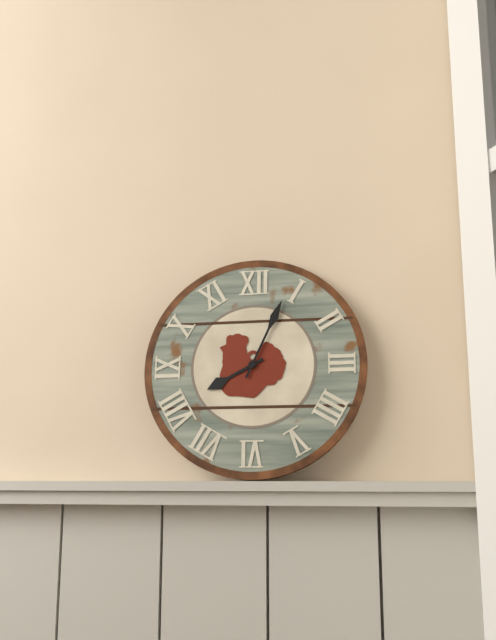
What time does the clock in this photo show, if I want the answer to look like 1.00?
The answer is 8.04
